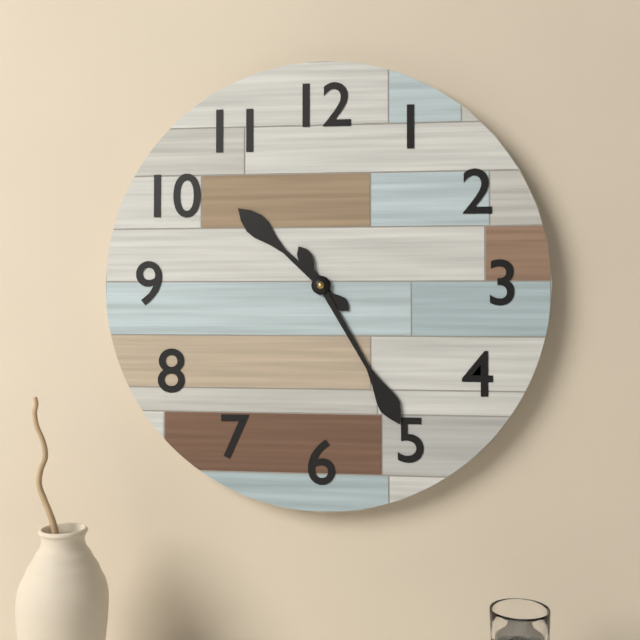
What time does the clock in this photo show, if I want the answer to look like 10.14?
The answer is 10.25
